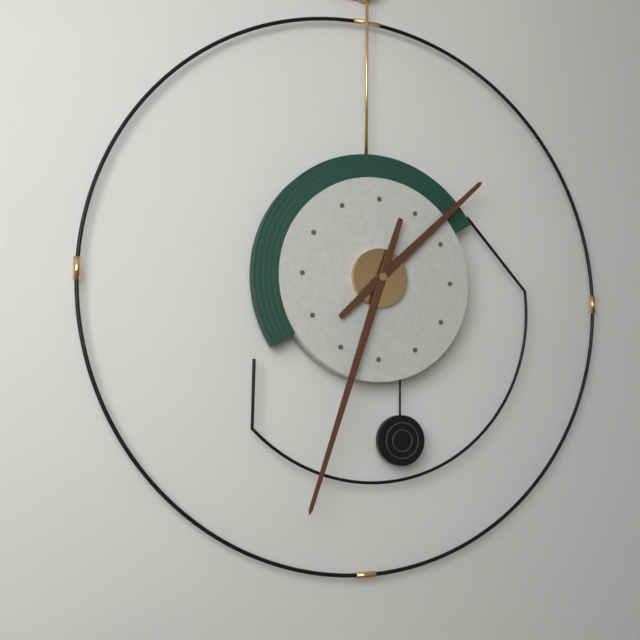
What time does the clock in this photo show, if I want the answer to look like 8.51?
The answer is 1.33
